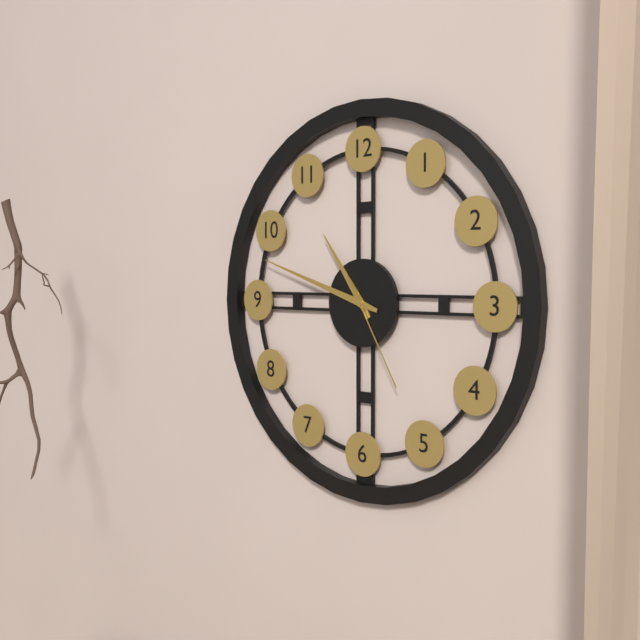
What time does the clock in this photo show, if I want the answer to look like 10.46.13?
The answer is 10.48.25
